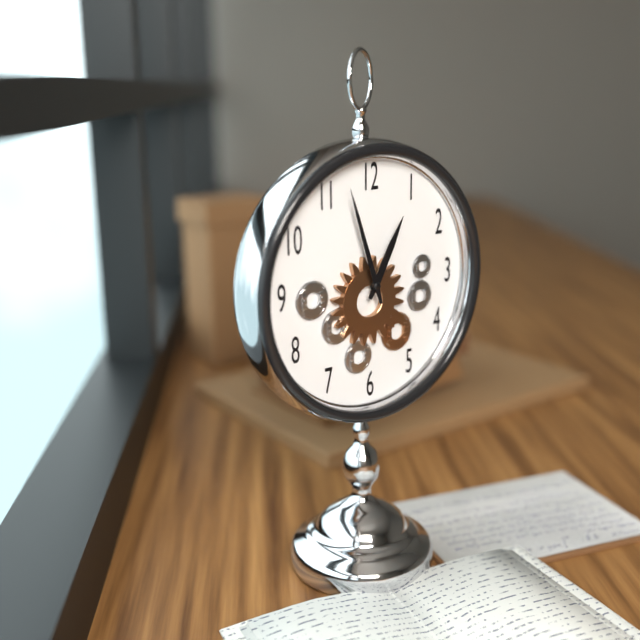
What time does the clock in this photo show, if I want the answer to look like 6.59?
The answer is 12.57
